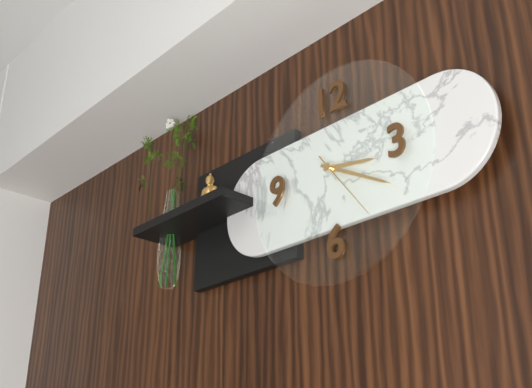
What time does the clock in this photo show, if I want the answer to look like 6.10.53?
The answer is 3.20.24
